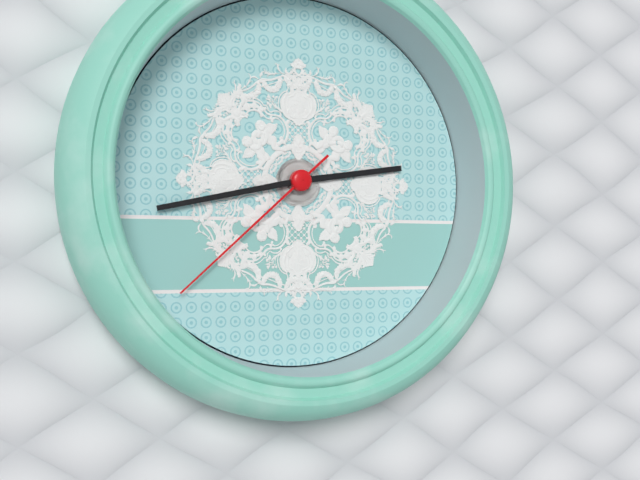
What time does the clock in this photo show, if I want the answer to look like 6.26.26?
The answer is 2.43.38
